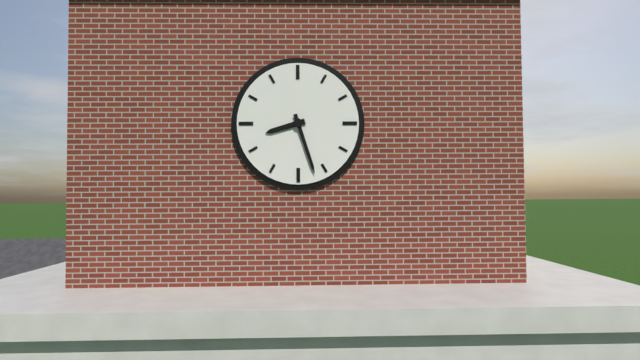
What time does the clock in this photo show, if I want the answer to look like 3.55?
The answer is 8.27
